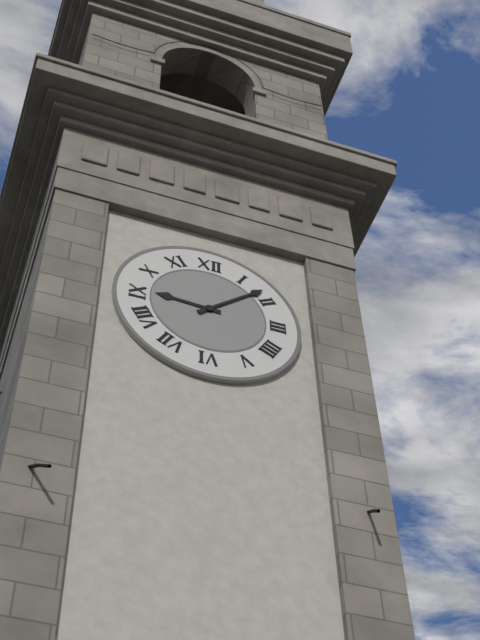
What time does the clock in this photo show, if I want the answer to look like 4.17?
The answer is 9.08
